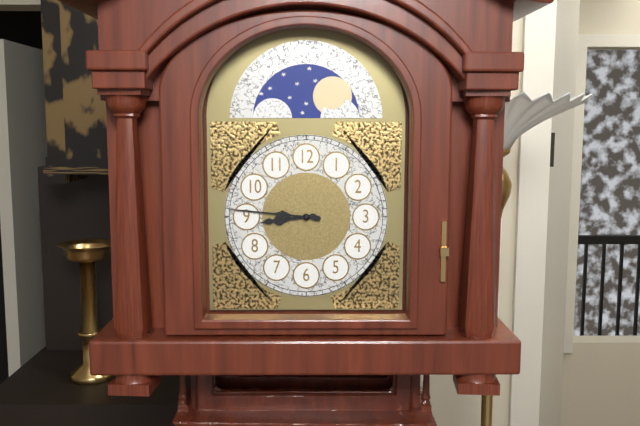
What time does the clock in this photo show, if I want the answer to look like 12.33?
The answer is 8.46
